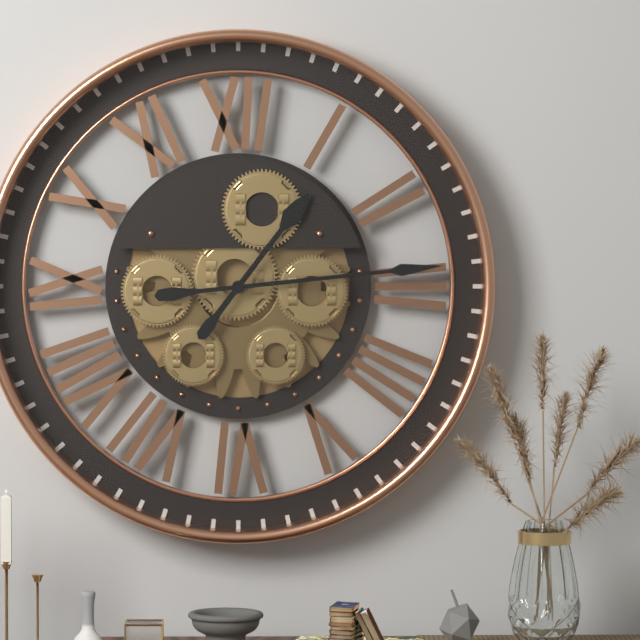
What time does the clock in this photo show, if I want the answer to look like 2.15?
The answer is 1.14
